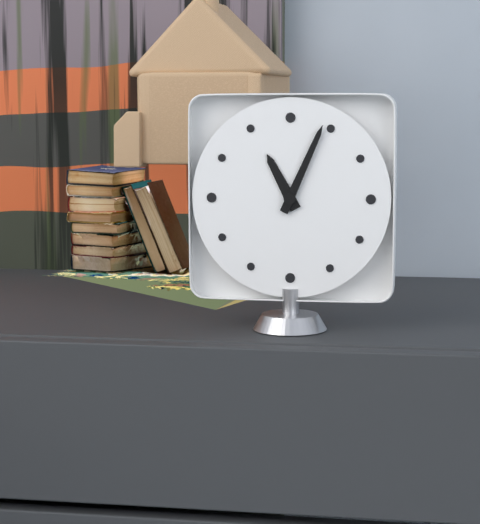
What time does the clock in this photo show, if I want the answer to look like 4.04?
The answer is 11.04
